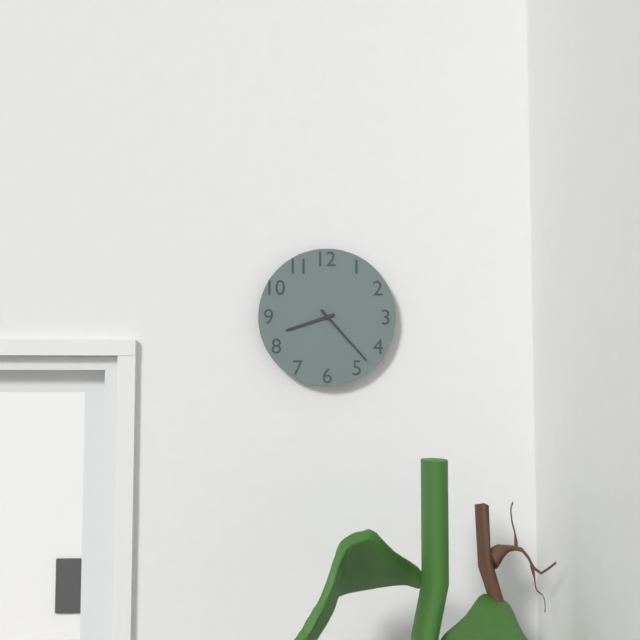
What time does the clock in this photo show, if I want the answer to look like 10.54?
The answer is 8.23
